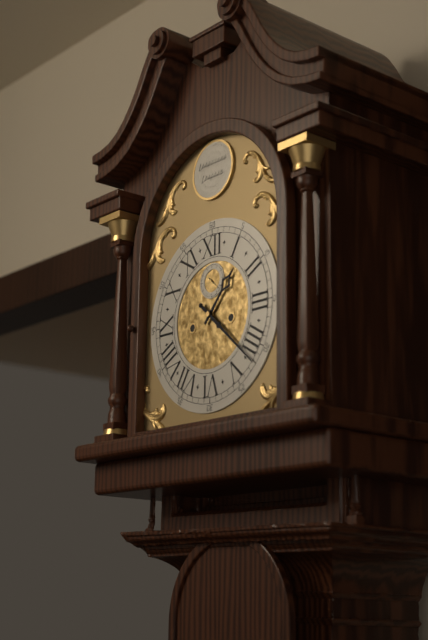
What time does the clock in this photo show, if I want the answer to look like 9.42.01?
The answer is 1.22.22
